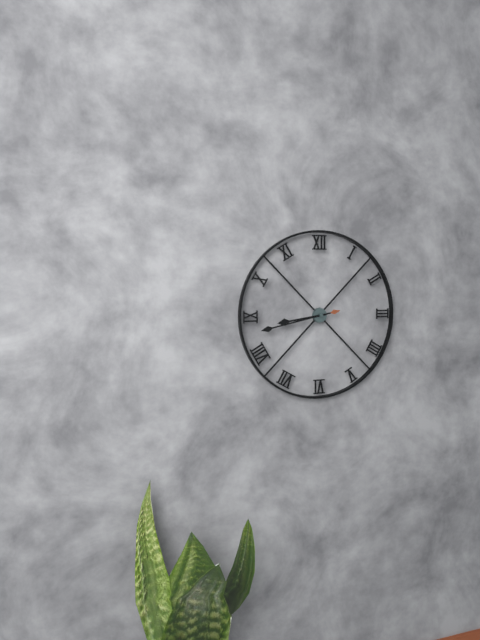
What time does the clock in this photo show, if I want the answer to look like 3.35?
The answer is 8.43
